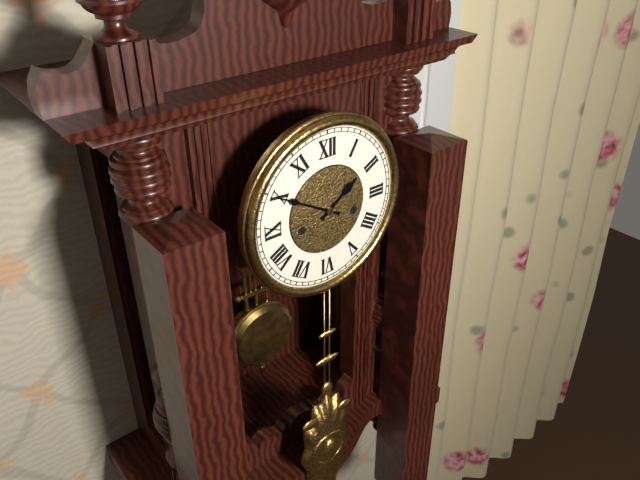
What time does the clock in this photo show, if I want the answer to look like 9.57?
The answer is 1.50
